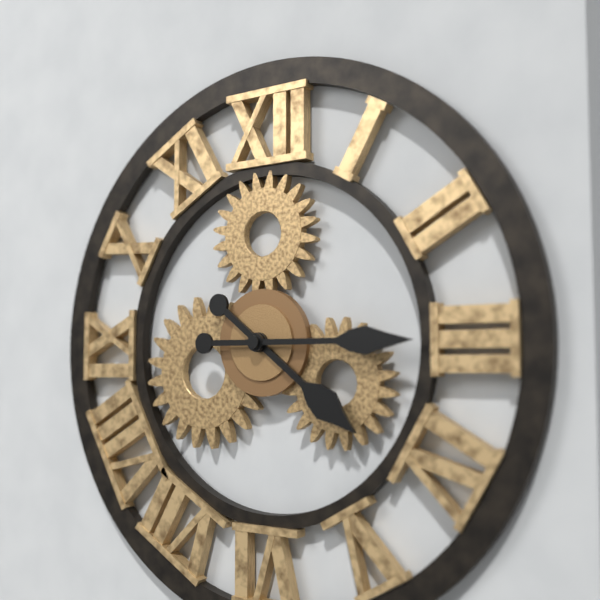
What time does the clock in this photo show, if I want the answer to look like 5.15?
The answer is 4.15
